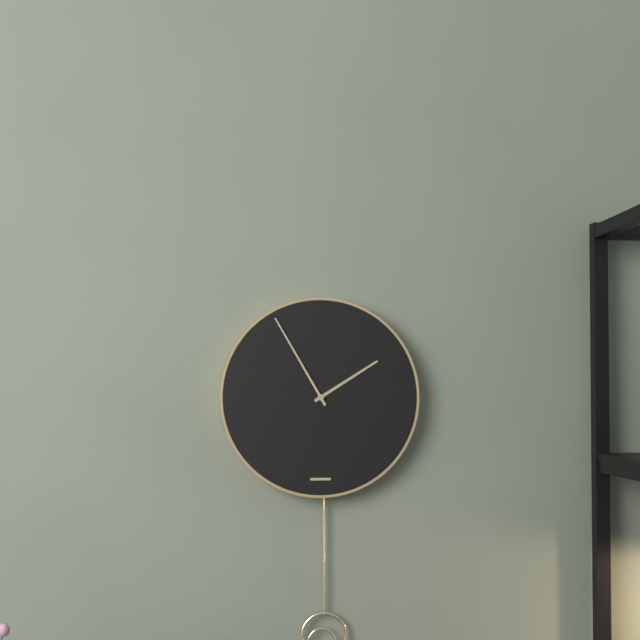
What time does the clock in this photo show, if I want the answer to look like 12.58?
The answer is 1.55
